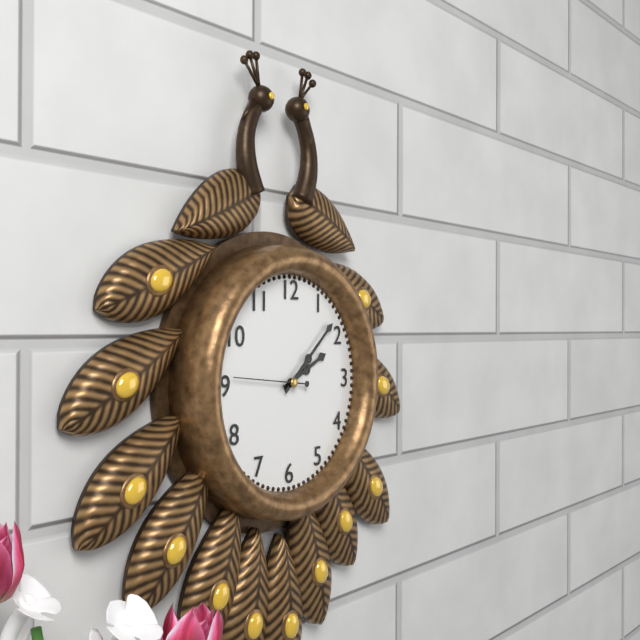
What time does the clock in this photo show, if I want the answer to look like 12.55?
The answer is 2.08
